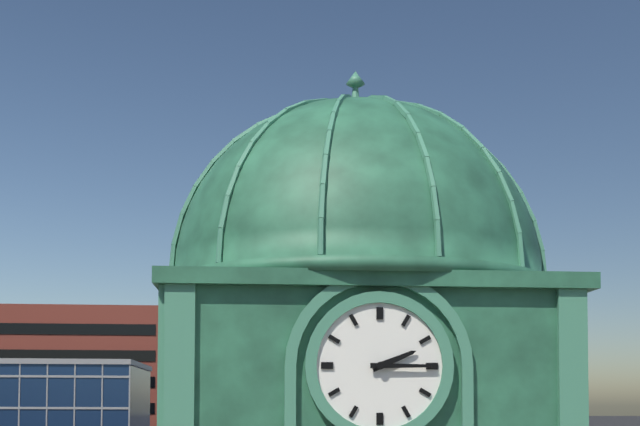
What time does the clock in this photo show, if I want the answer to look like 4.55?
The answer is 2.15
